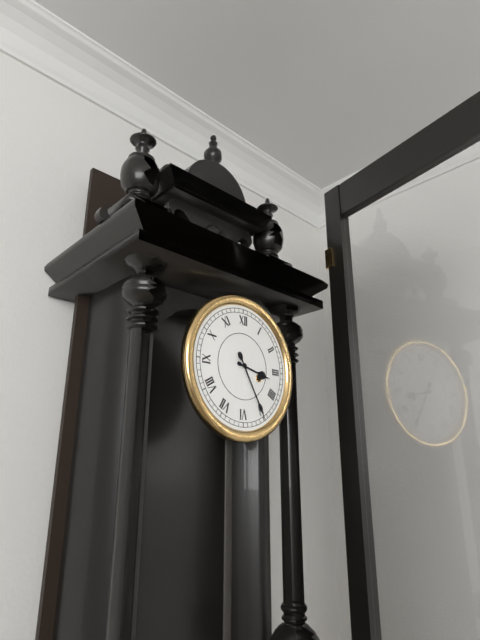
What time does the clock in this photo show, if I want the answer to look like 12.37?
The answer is 3.25
